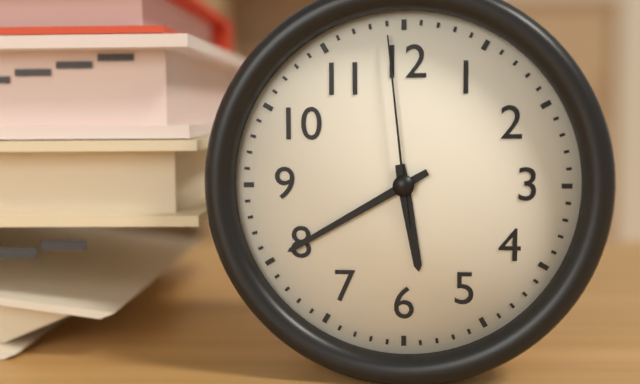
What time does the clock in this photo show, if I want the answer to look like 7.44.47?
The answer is 5.40.59
